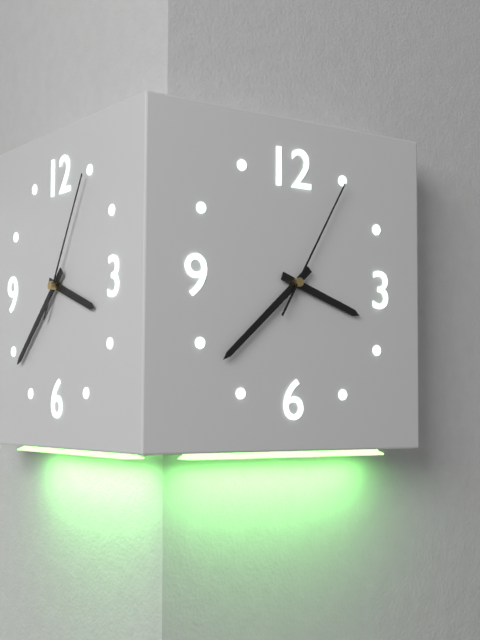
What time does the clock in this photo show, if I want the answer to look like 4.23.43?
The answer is 3.38.05
